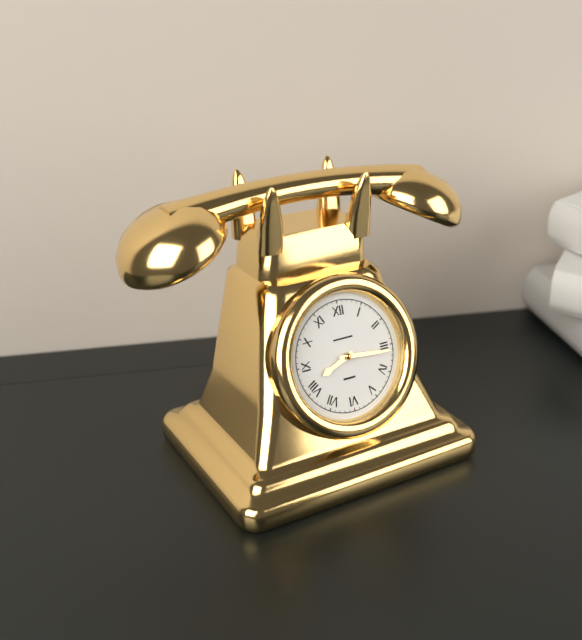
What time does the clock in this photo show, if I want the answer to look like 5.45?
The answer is 8.16
